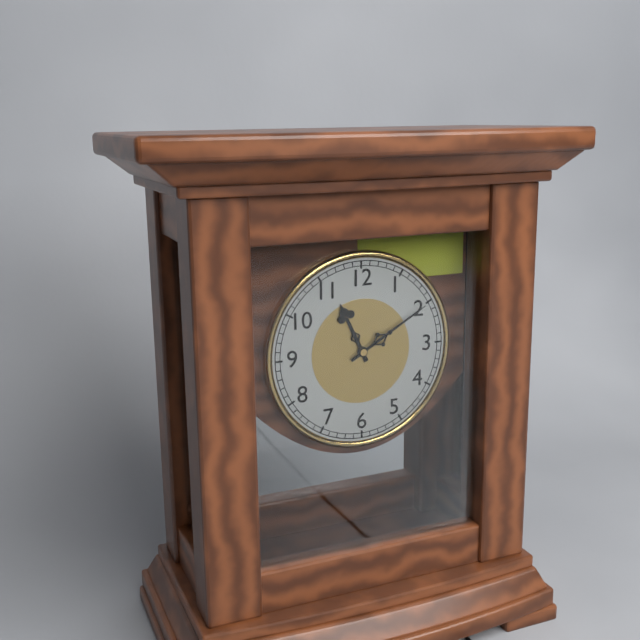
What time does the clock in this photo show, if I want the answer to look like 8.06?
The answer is 11.10
